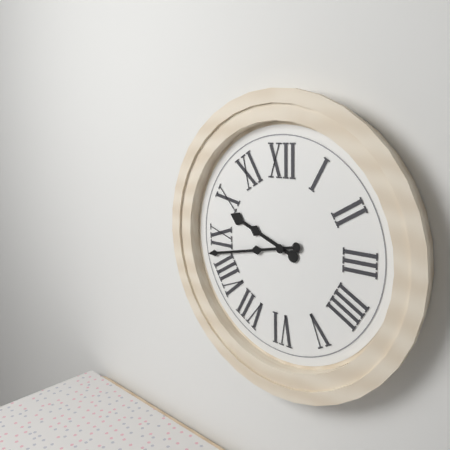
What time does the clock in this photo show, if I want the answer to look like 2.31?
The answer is 9.43
